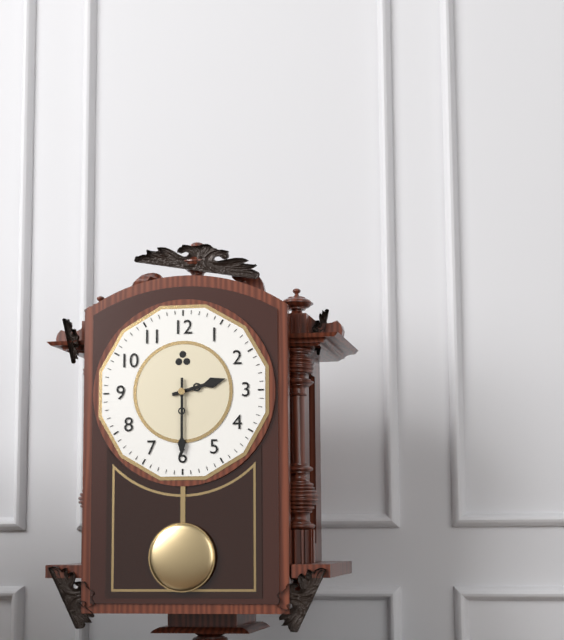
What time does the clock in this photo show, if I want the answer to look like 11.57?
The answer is 2.30
